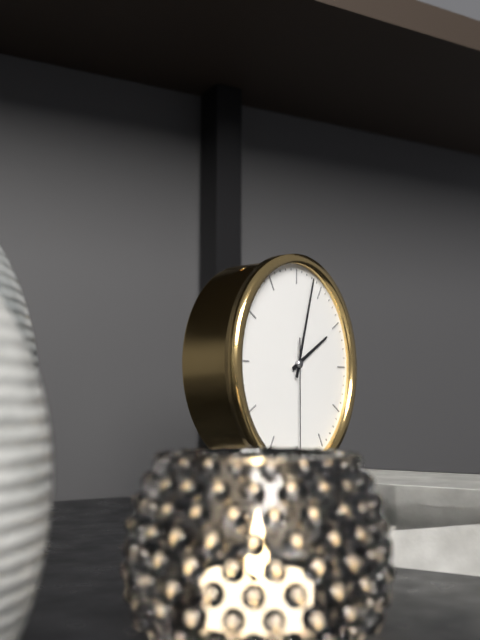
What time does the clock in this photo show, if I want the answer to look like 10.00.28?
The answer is 2.03.30
